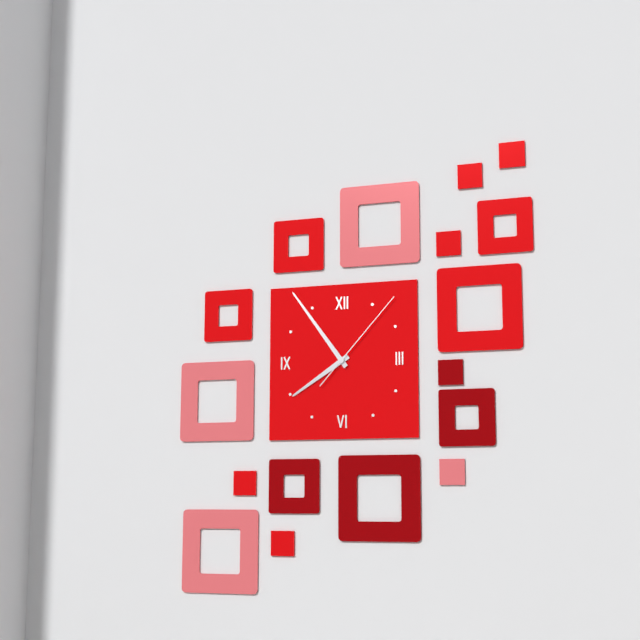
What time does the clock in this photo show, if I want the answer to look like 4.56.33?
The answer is 7.54.07
